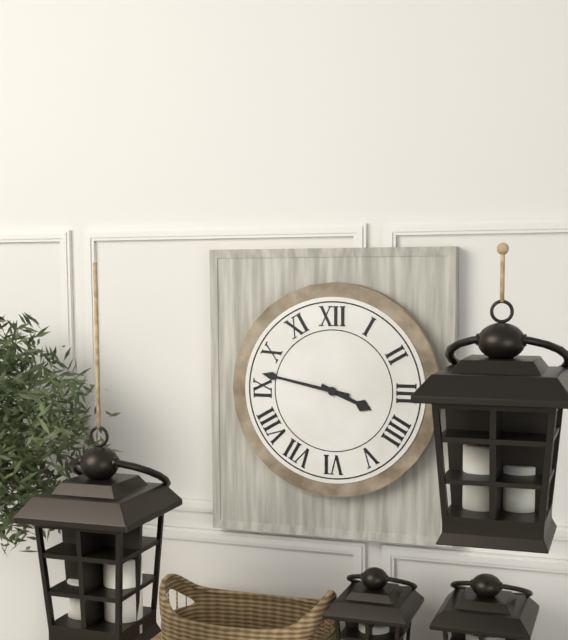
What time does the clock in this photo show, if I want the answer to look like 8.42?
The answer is 3.47
